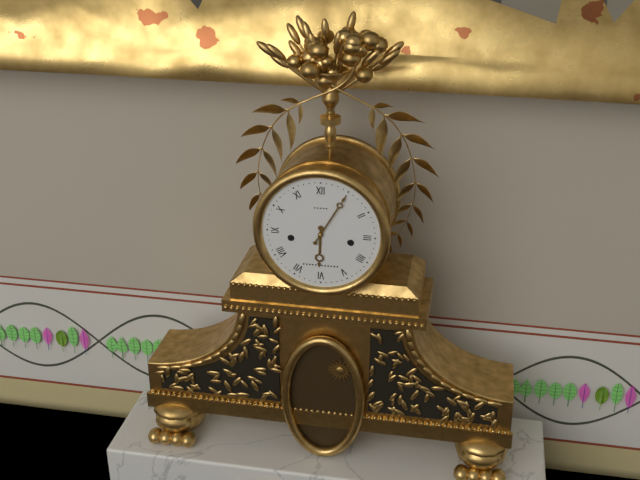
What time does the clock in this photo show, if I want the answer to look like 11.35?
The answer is 6.05
